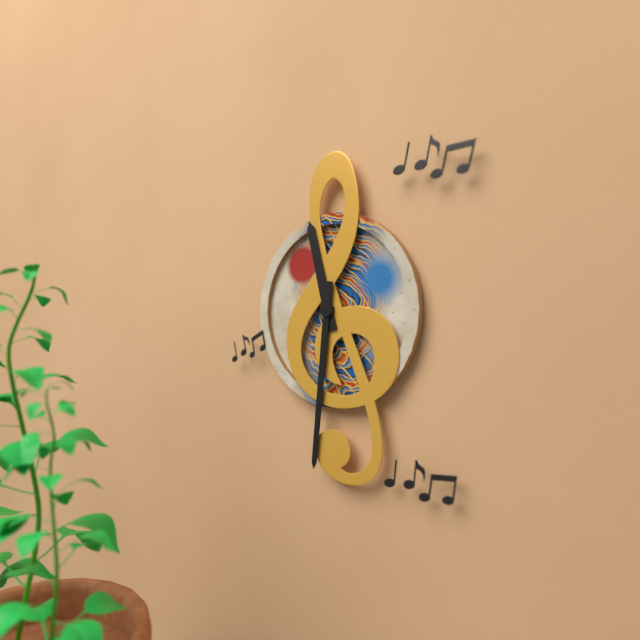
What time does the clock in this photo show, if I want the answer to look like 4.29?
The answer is 11.31
